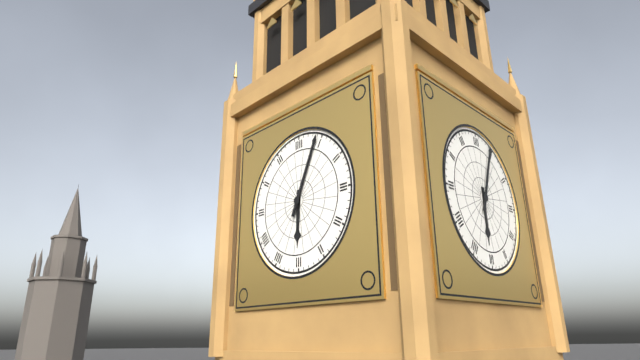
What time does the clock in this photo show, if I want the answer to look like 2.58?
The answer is 6.04
